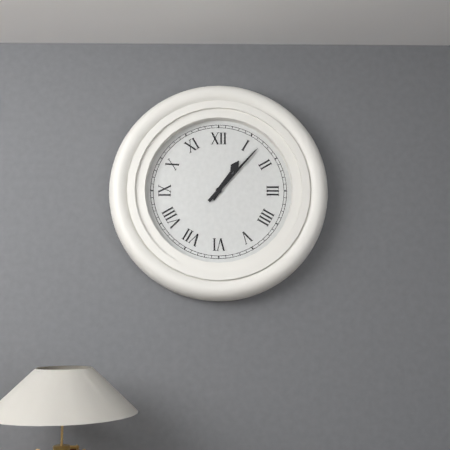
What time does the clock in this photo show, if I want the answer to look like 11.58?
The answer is 1.07
